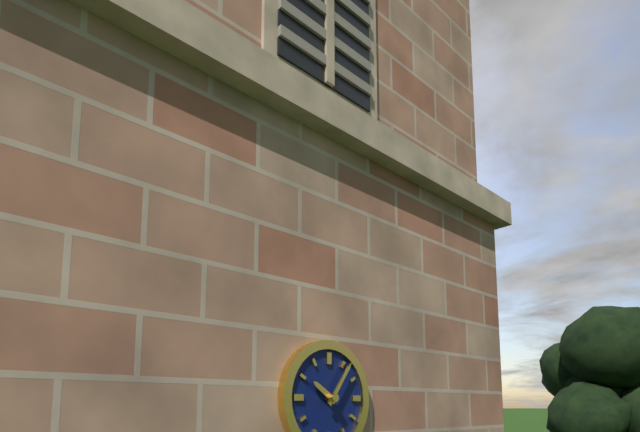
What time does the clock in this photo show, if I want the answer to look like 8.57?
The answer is 10.06
